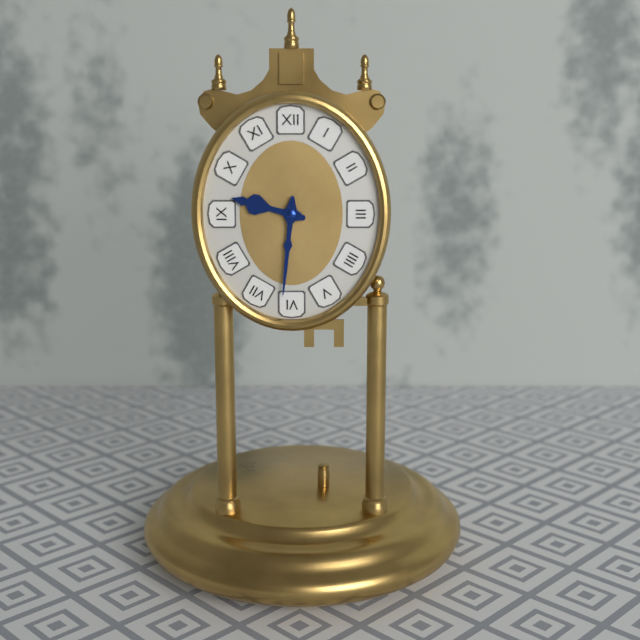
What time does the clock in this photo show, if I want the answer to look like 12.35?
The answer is 9.31
